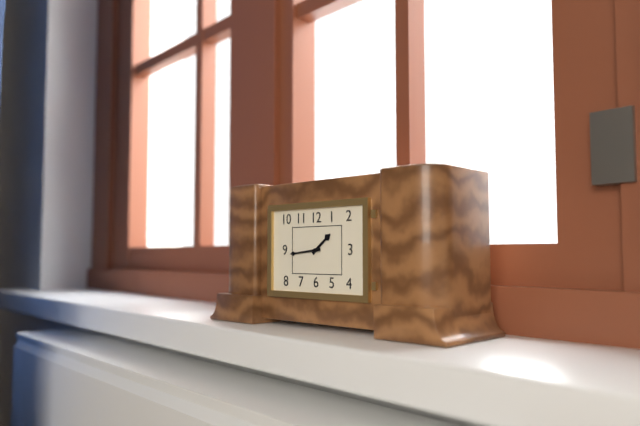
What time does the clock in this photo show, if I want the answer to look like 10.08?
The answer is 1.44
